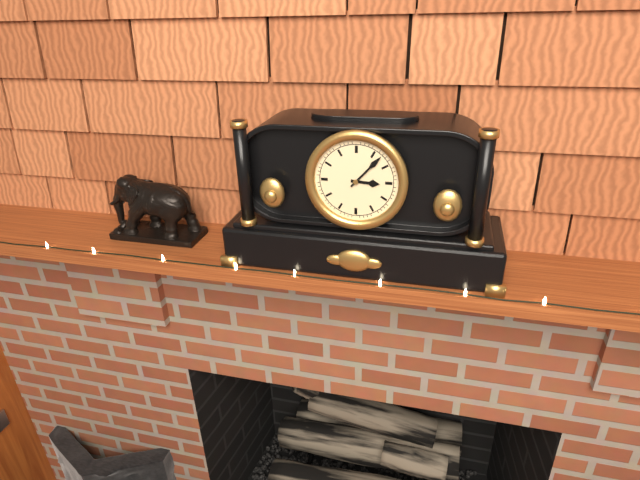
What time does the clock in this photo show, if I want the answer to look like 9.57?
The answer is 3.07
